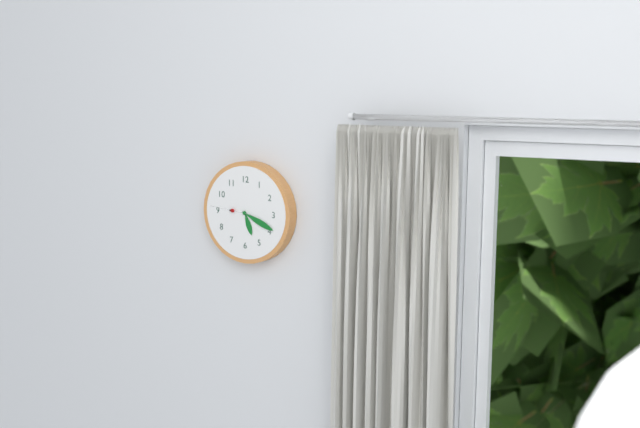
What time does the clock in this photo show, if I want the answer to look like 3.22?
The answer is 5.19
